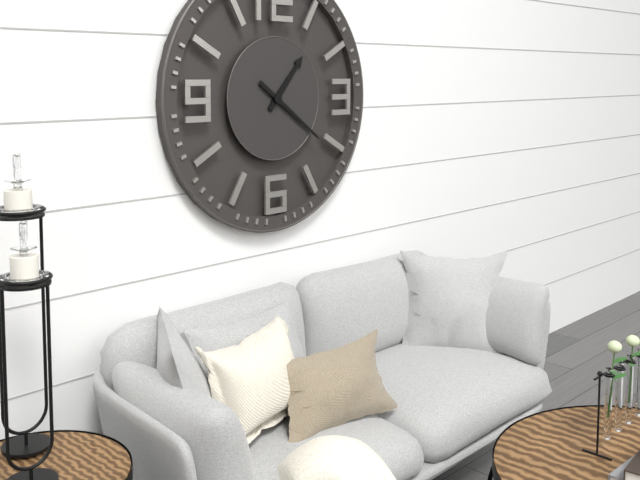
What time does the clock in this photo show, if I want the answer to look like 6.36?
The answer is 1.21
